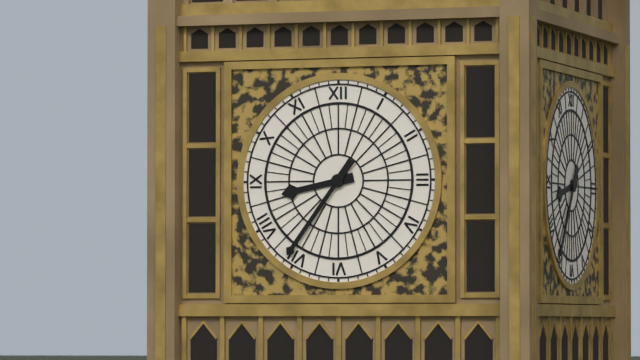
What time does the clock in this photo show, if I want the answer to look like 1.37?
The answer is 8.36
